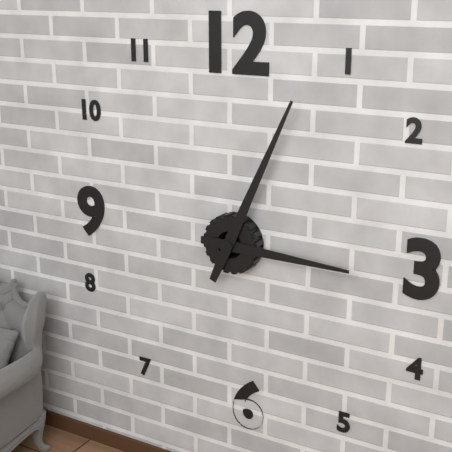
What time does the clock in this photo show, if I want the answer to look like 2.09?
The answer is 3.04
